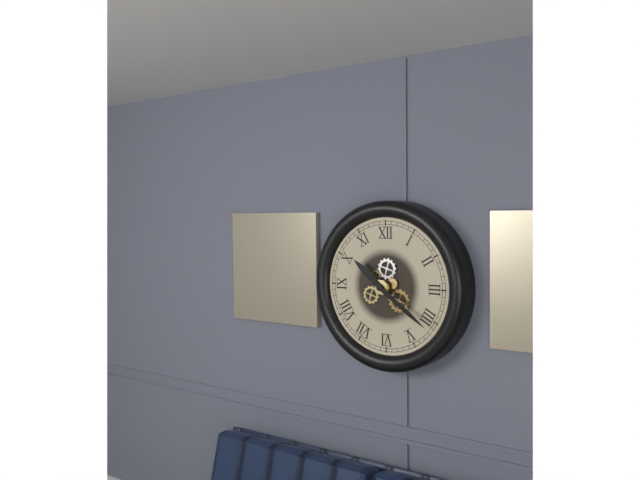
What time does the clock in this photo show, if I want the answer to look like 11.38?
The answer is 10.21
